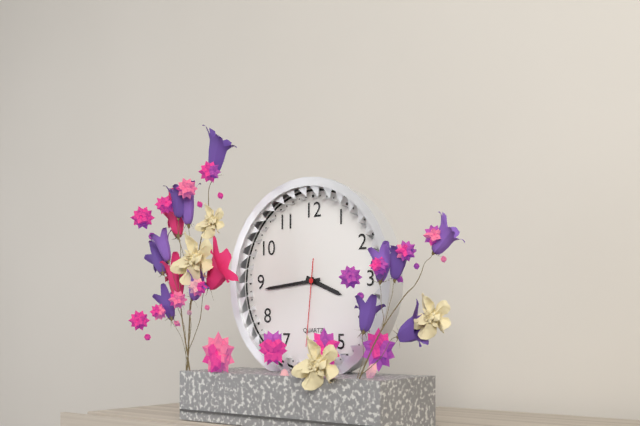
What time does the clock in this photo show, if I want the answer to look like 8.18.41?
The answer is 3.44.31
